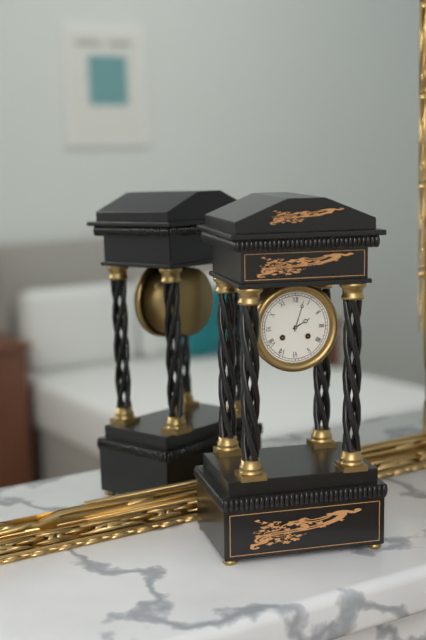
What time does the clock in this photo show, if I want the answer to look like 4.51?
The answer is 2.03
